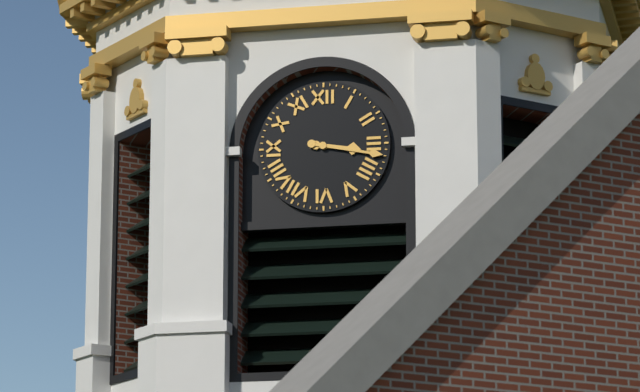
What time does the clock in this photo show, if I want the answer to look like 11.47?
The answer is 3.17
